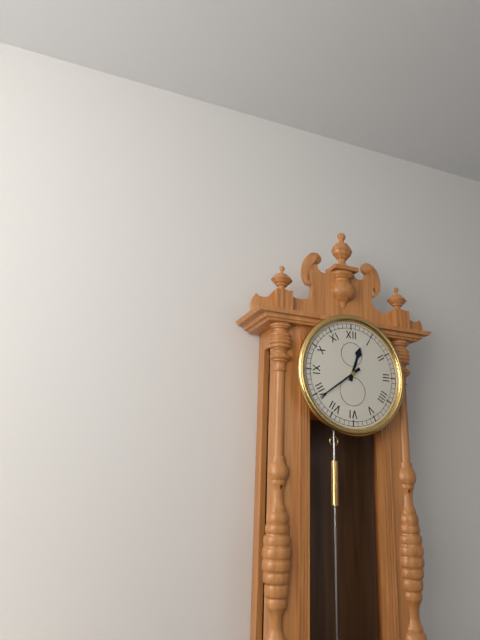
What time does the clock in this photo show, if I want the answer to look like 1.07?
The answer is 12.39
